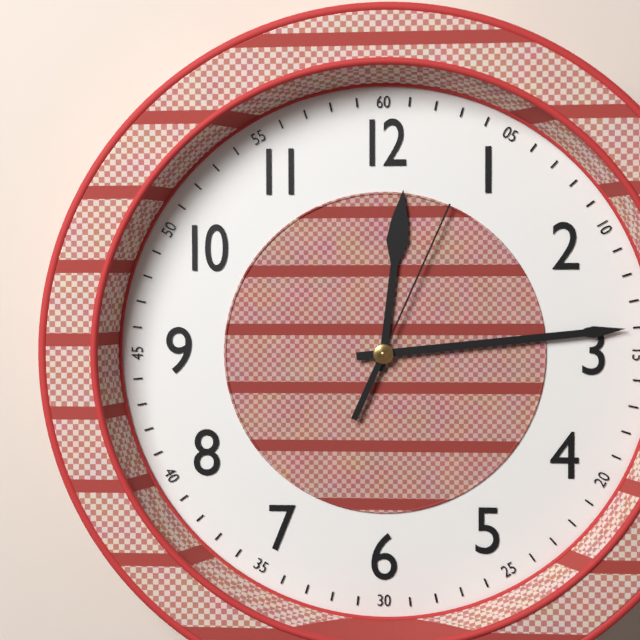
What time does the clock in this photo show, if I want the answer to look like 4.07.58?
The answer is 12.14.04
